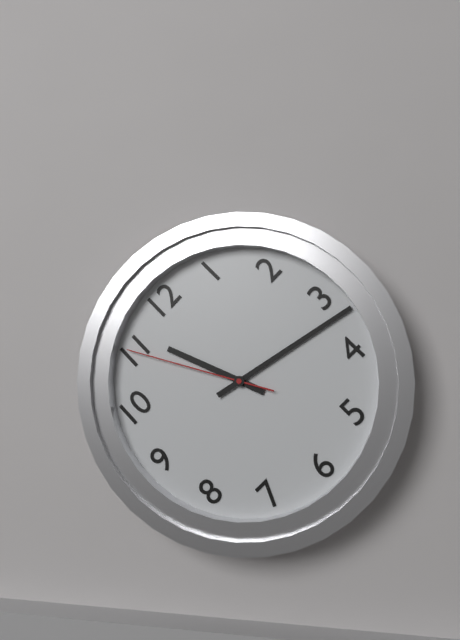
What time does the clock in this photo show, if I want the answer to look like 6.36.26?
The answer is 11.17.55
